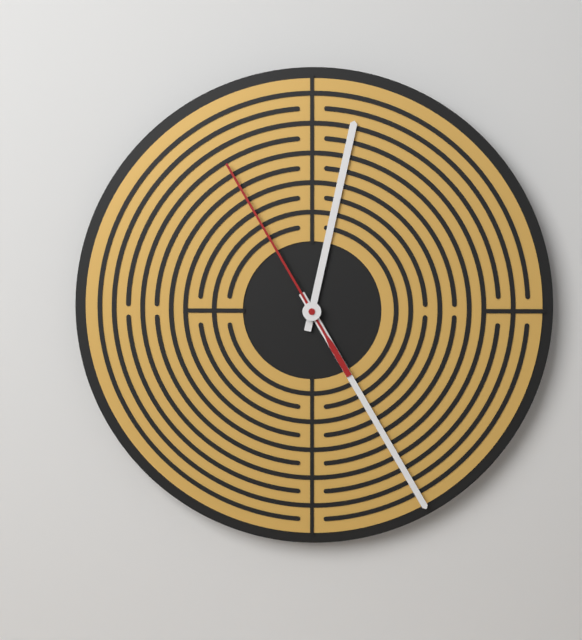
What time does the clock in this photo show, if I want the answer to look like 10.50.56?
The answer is 12.25.55
